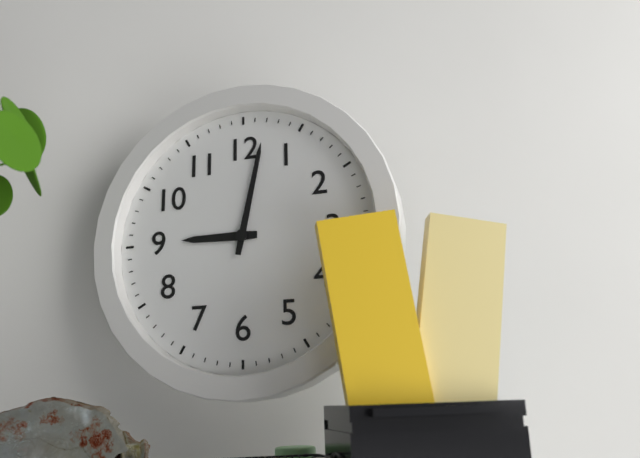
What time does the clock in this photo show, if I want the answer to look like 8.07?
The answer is 9.02
